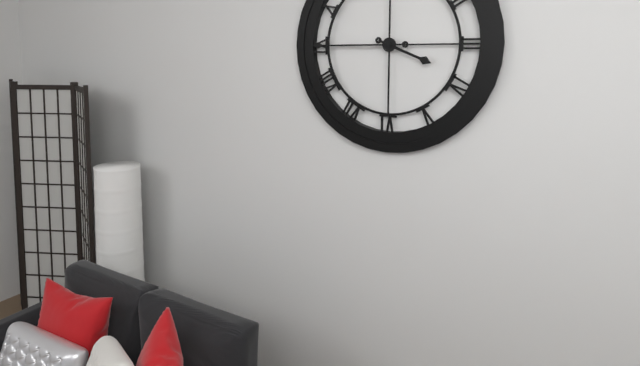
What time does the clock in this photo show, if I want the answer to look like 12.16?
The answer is 3.45
